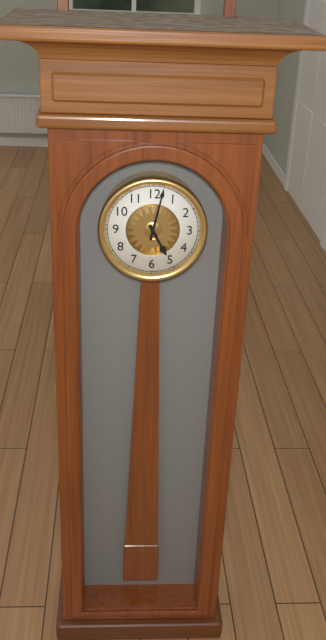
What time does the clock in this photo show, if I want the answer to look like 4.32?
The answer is 5.02
